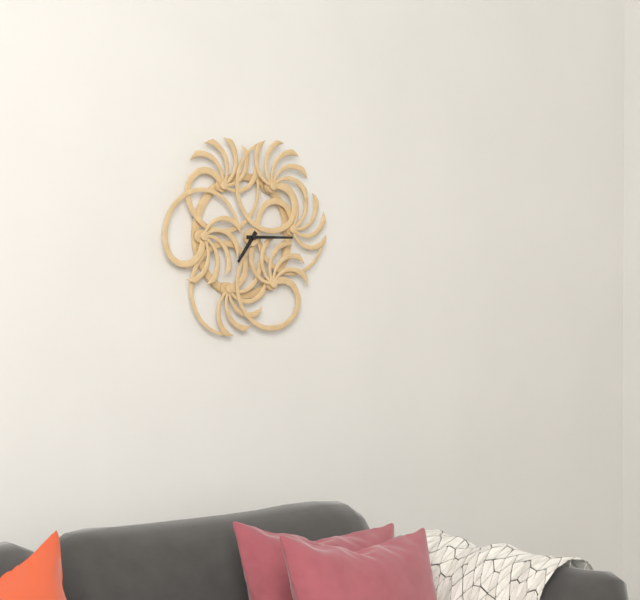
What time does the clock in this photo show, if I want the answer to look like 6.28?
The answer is 7.15
